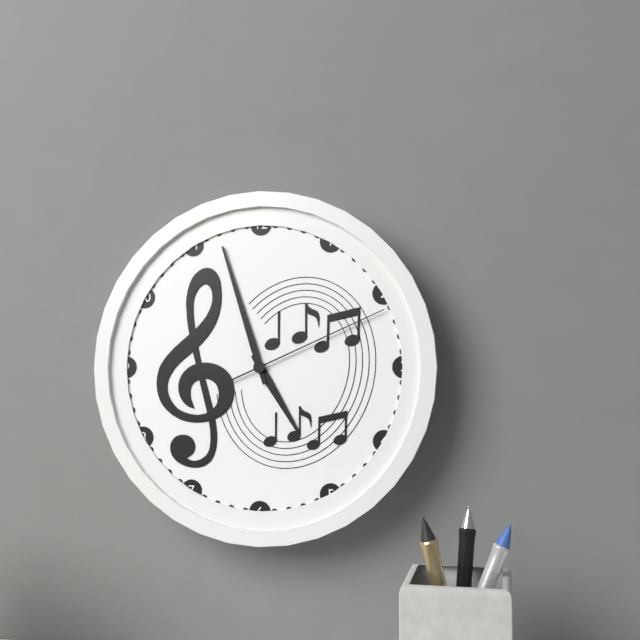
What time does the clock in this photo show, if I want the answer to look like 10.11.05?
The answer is 4.57.11
